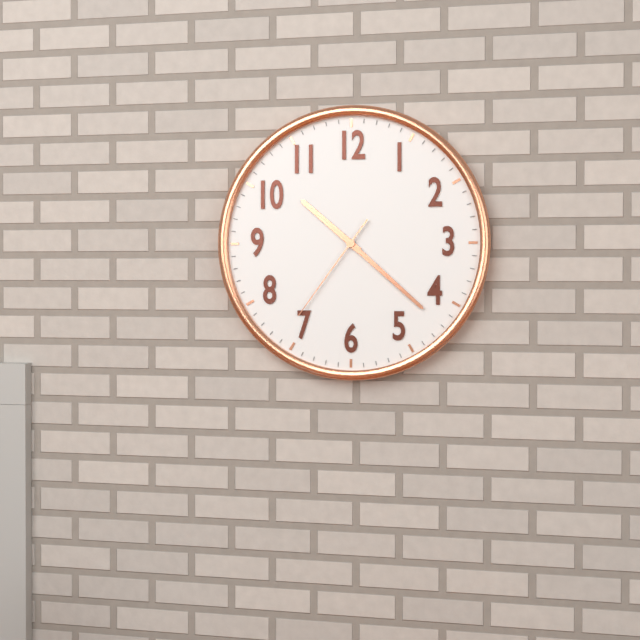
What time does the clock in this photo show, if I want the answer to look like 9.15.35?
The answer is 10.22.36
